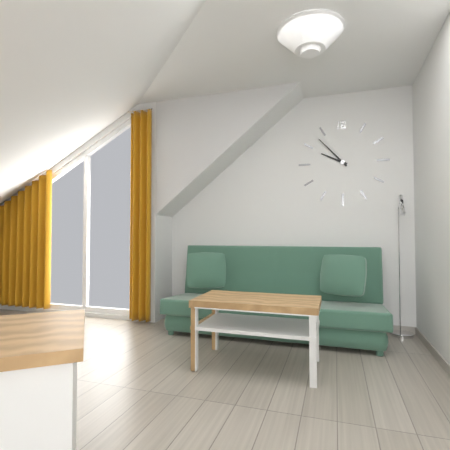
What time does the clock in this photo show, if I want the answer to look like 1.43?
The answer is 9.53
